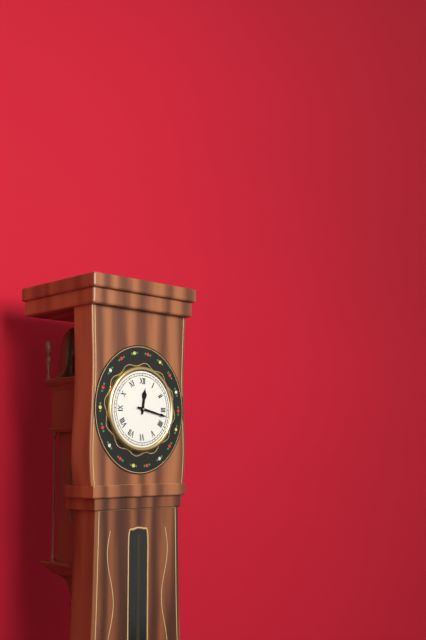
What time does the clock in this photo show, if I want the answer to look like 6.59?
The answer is 12.17
